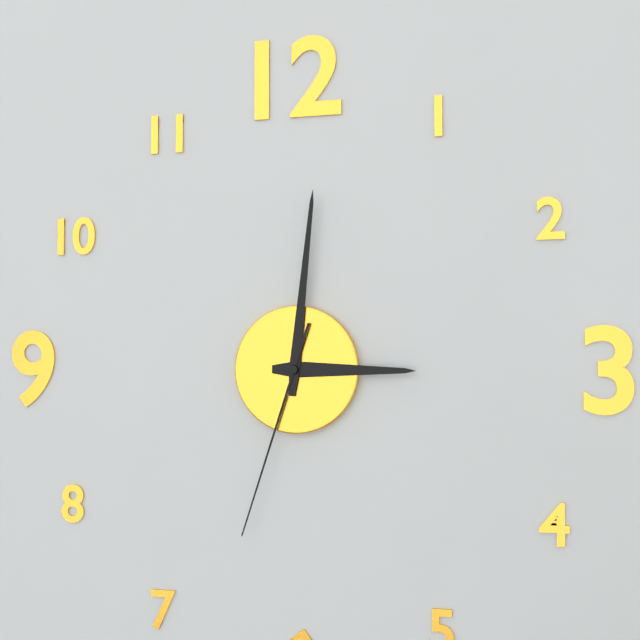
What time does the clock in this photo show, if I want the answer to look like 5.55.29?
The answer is 3.01.33
